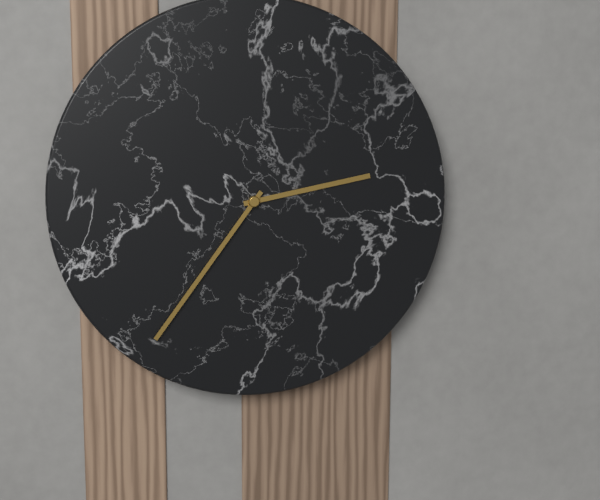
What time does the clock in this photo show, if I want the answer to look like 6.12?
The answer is 2.36
